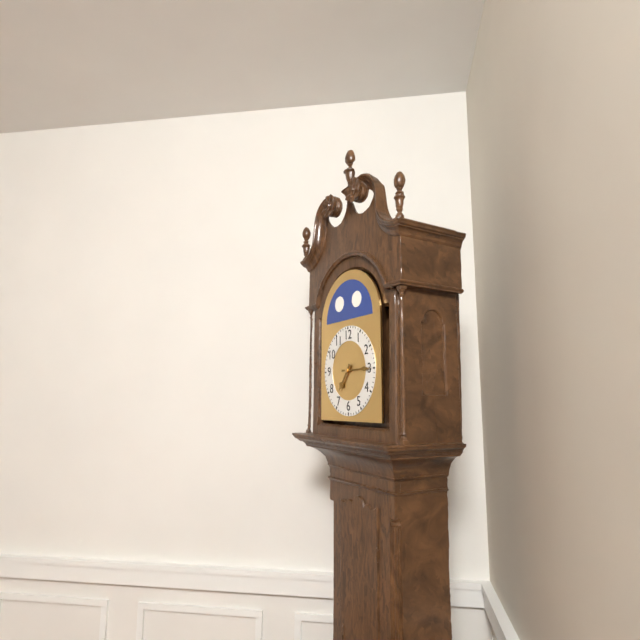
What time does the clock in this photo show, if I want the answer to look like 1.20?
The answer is 7.15
